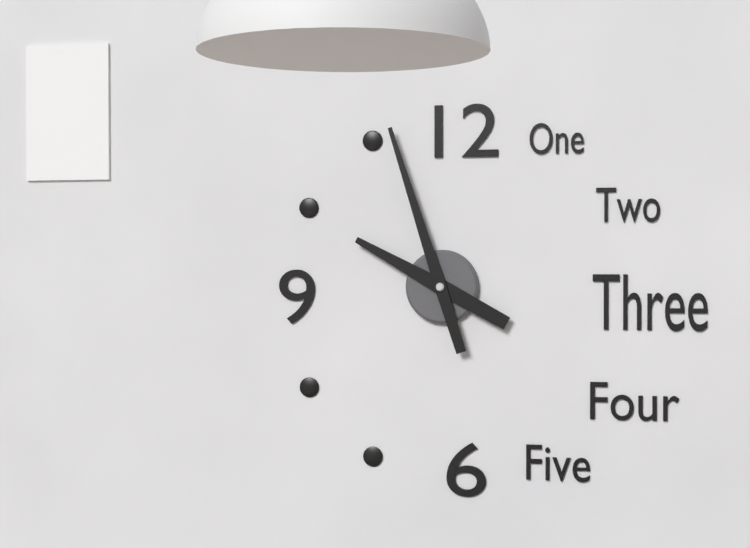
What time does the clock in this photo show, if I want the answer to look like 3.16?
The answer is 9.57
